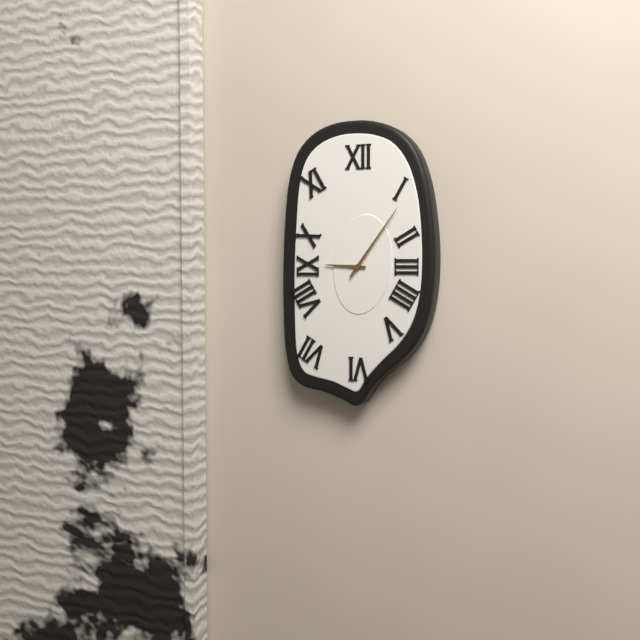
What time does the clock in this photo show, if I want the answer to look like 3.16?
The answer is 9.06
